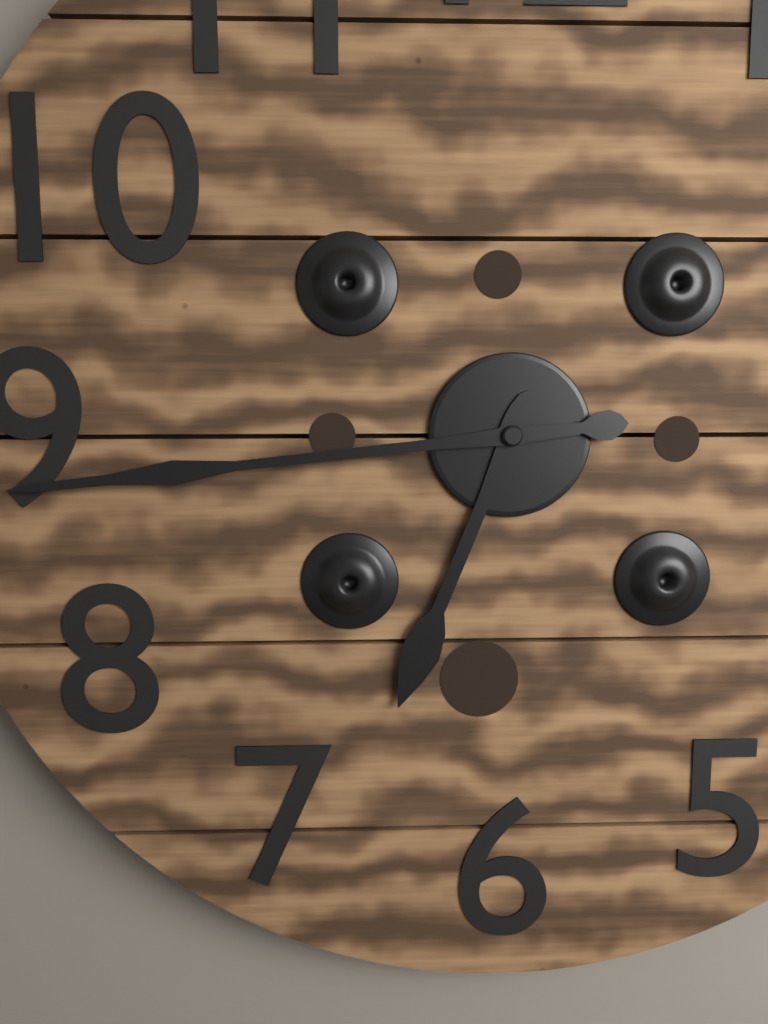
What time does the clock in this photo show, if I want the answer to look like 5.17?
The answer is 6.44
